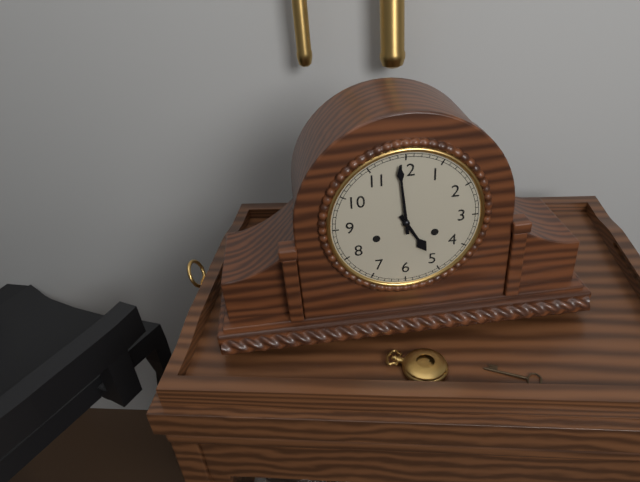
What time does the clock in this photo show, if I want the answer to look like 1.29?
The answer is 4.59
